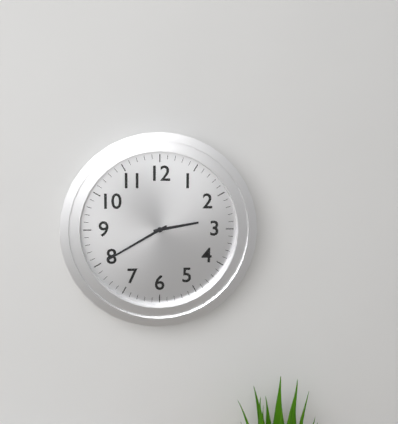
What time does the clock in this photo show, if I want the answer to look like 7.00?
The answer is 2.40
